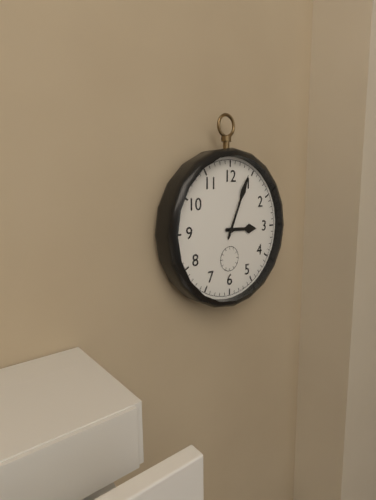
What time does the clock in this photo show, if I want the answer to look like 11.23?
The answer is 3.04
